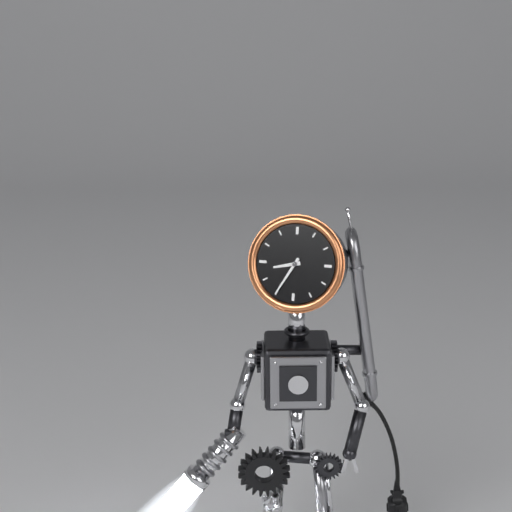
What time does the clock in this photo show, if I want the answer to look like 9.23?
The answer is 8.35
